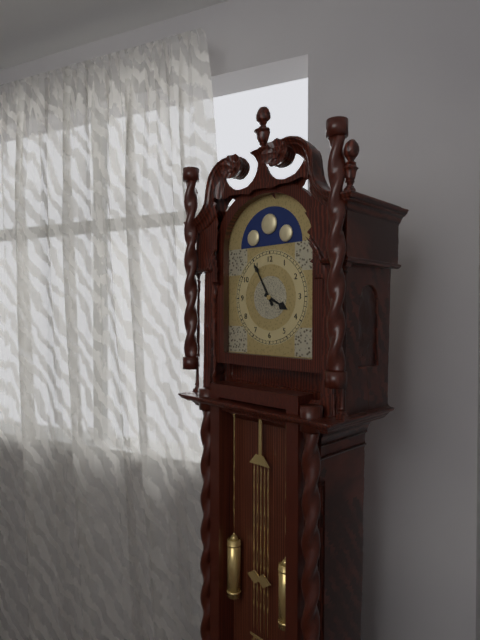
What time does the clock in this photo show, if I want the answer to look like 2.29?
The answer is 3.55
